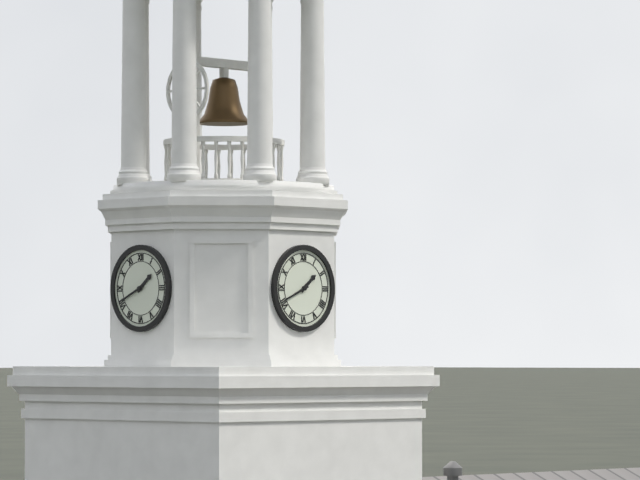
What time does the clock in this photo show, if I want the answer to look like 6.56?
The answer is 1.41
